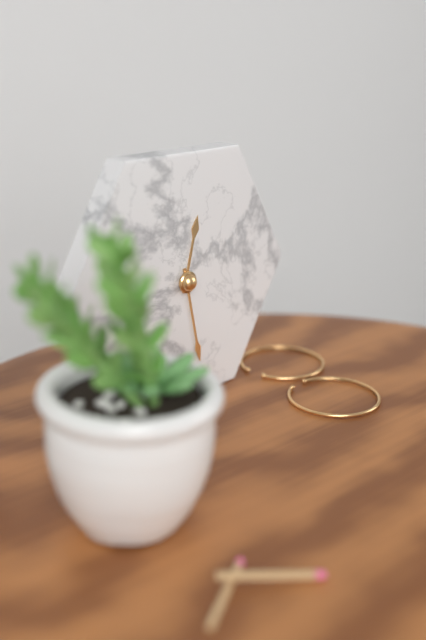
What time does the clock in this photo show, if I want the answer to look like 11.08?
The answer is 12.28
